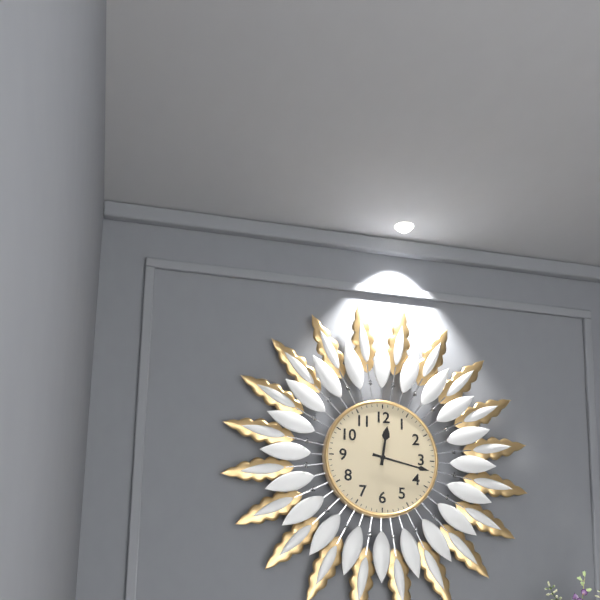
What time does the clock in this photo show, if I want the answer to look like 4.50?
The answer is 12.17
